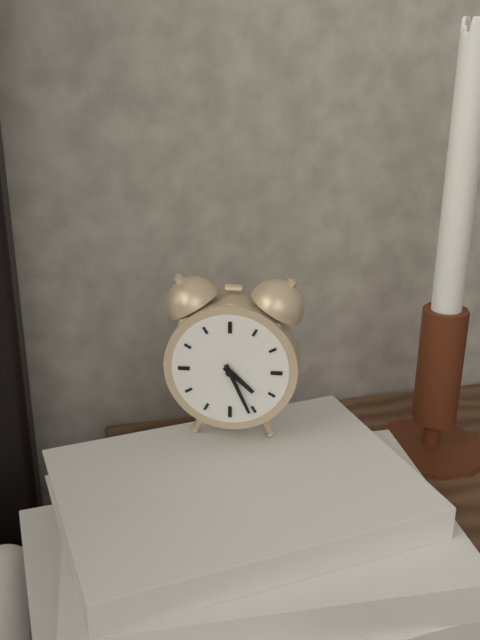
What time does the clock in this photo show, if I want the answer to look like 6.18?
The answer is 4.26
